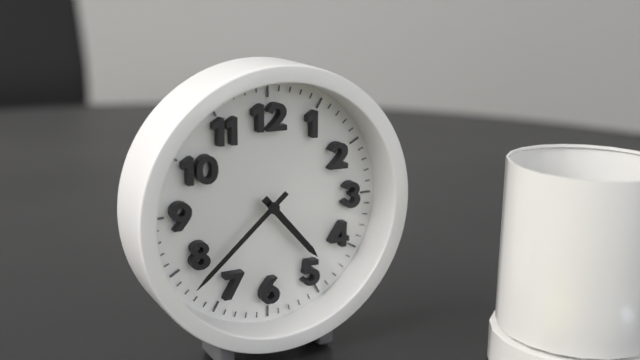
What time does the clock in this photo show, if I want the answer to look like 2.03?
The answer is 4.38
